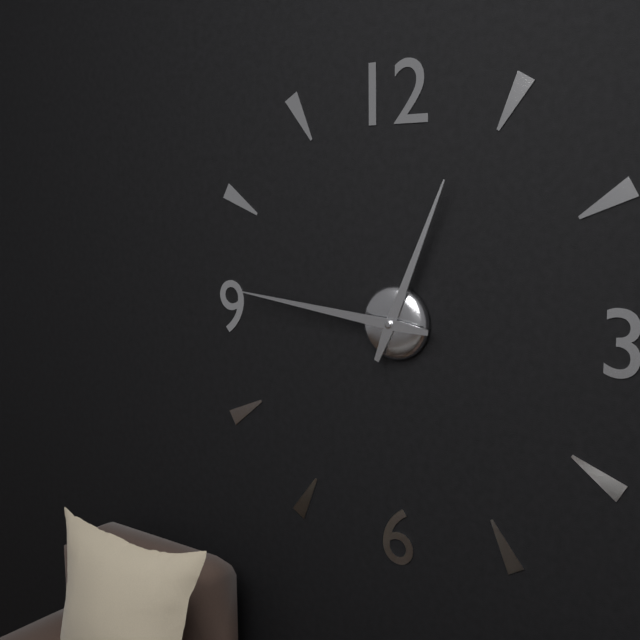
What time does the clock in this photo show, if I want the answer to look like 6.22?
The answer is 12.46
